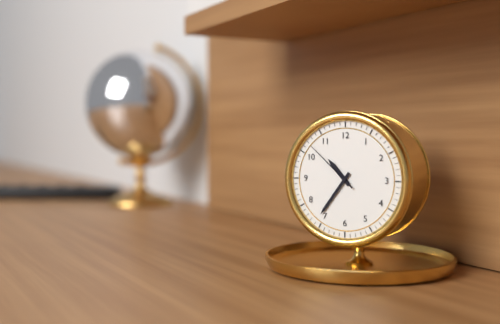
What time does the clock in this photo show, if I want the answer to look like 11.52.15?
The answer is 10.36.52
